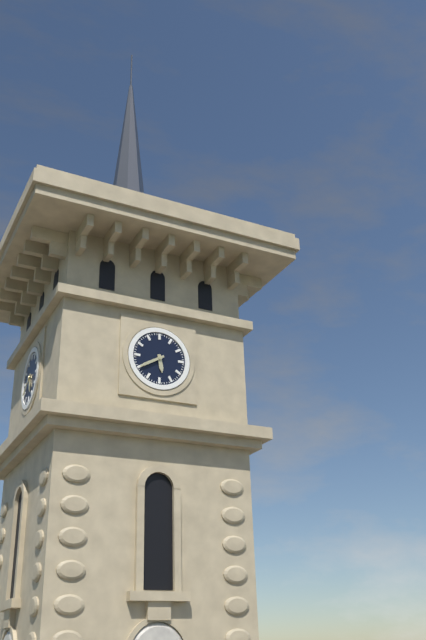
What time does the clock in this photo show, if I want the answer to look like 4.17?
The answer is 5.40
